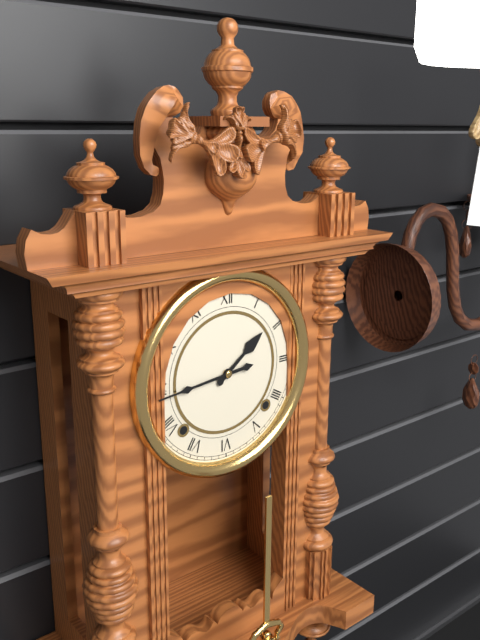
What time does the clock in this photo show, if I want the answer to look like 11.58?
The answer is 1.44
